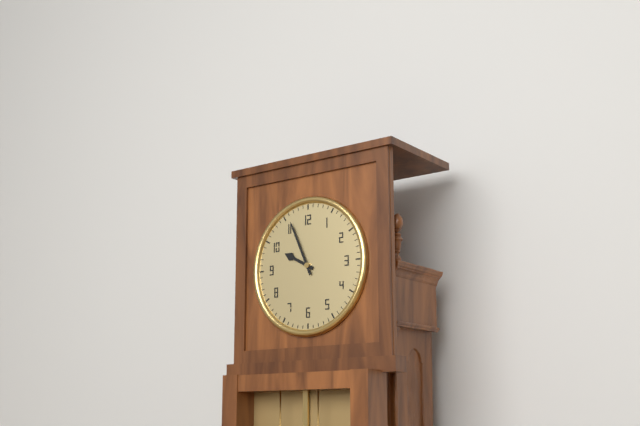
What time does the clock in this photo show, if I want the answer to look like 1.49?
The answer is 9.56
